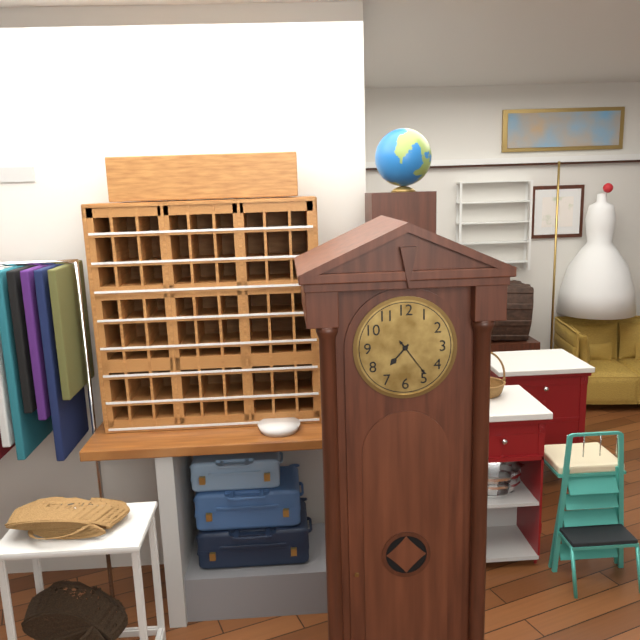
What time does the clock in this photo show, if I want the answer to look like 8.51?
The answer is 7.24
